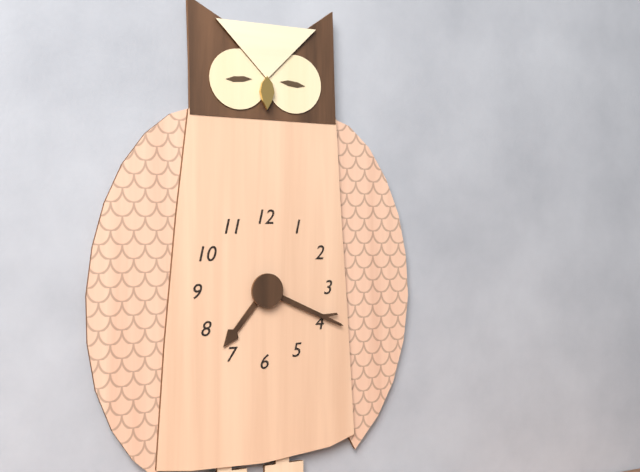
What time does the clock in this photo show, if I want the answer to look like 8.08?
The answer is 7.19
